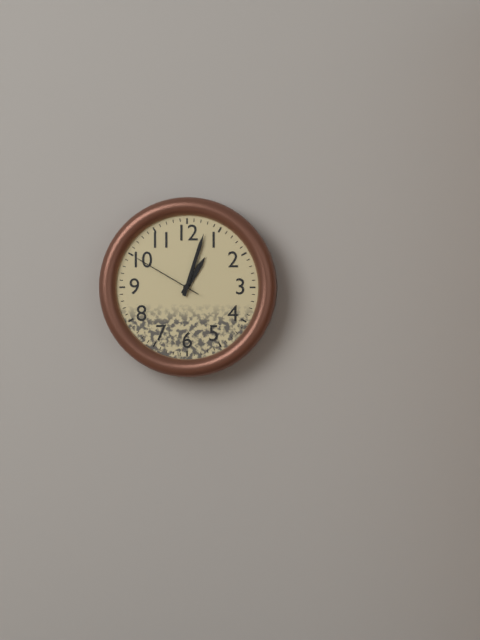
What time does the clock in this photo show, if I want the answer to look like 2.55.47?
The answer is 1.03.50
